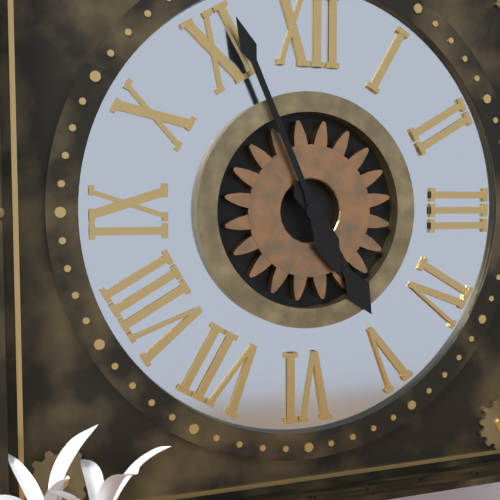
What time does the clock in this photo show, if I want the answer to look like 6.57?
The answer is 4.56
